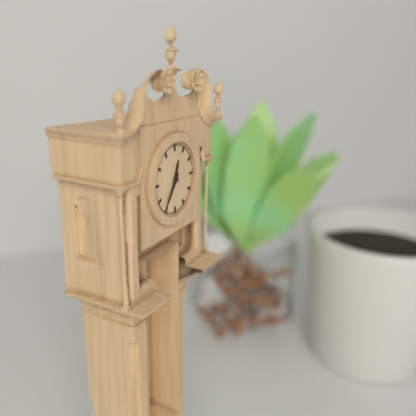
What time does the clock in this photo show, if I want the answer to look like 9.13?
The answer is 12.36
